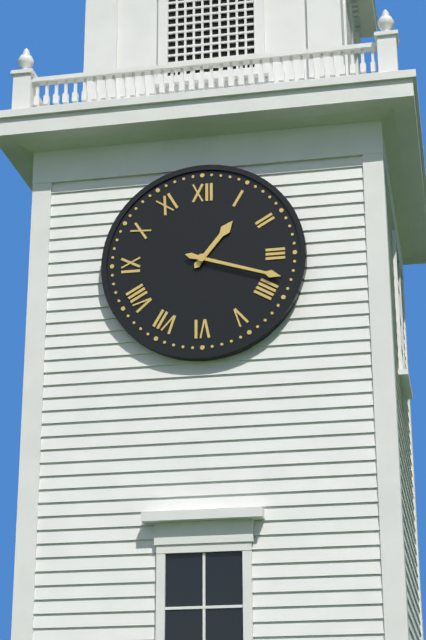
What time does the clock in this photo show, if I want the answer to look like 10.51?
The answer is 1.18
